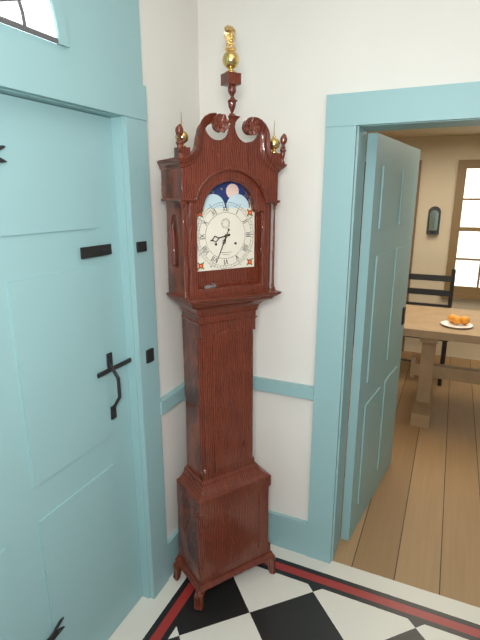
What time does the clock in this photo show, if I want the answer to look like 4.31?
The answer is 8.34
